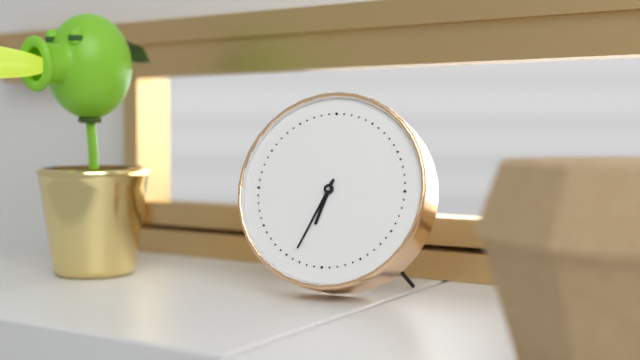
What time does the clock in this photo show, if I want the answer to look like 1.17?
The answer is 6.34
